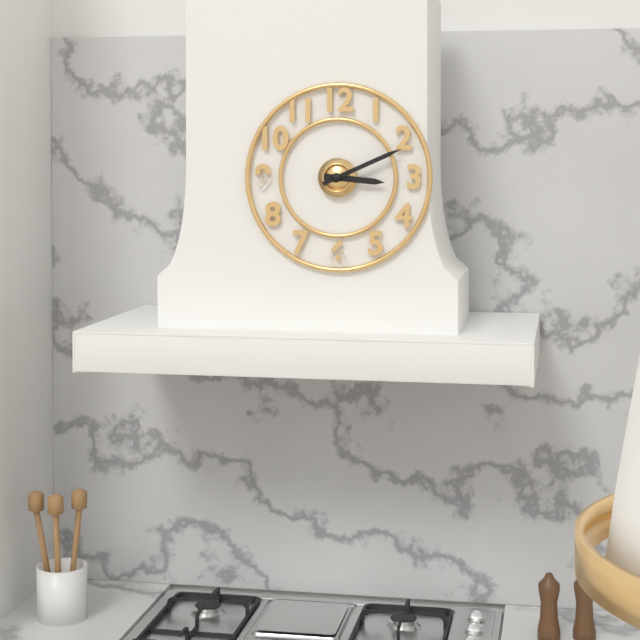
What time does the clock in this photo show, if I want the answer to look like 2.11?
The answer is 3.11
